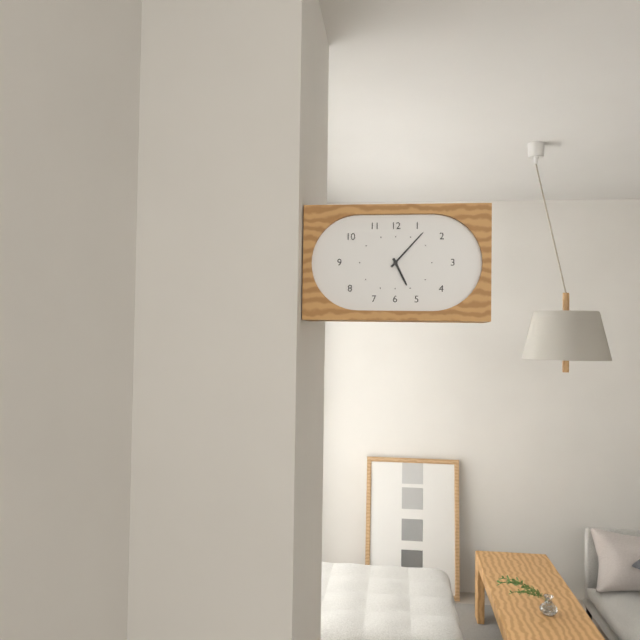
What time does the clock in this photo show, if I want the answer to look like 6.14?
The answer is 5.07
